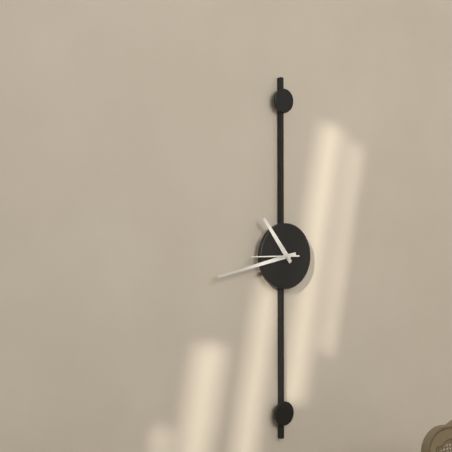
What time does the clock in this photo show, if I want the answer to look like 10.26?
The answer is 10.43
